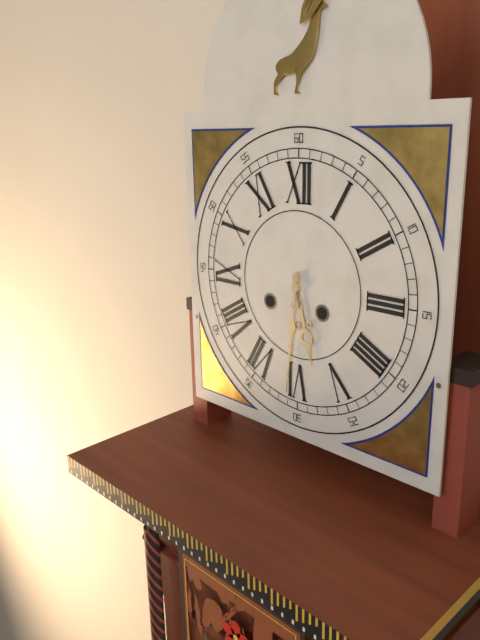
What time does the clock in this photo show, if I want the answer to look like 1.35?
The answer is 5.31
